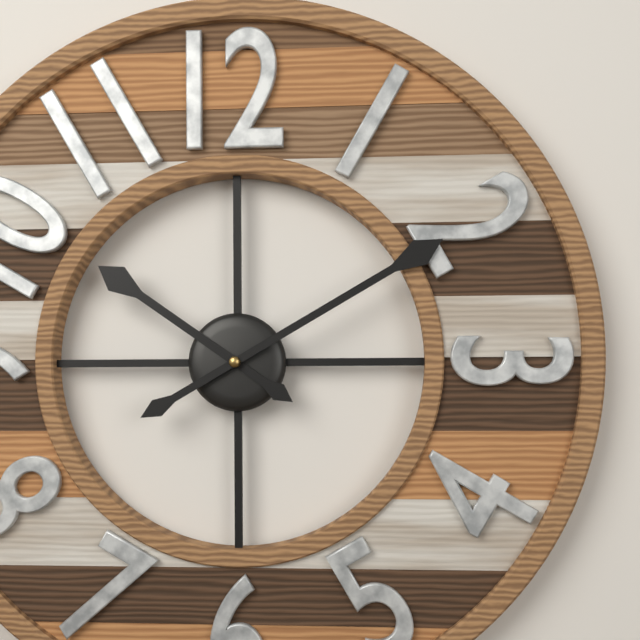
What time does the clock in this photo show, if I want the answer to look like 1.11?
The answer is 10.10
